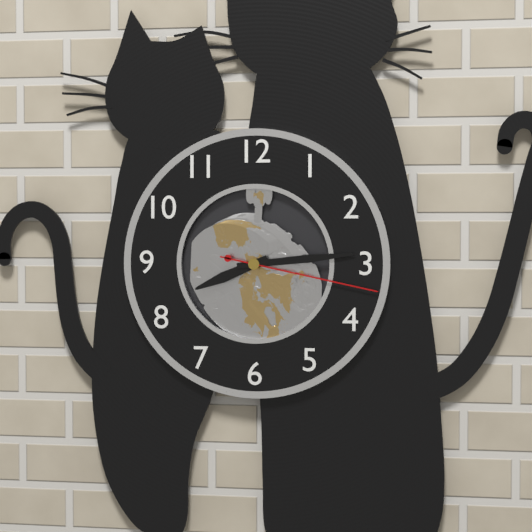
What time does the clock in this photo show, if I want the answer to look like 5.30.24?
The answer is 8.14.17
